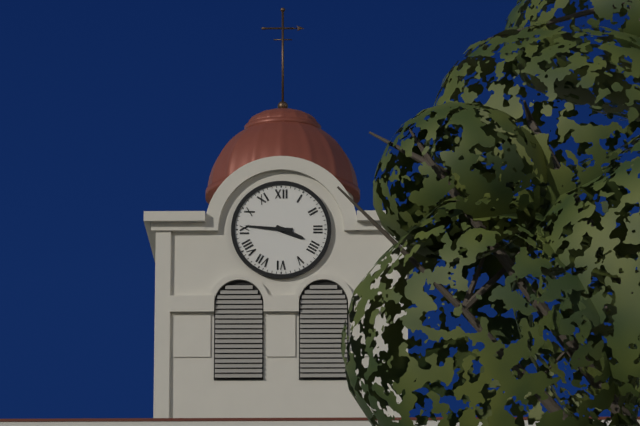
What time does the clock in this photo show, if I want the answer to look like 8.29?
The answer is 3.46
